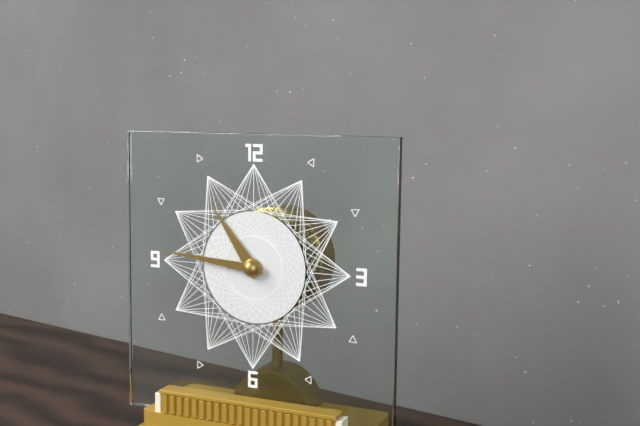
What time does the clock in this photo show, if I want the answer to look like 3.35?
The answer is 10.46
